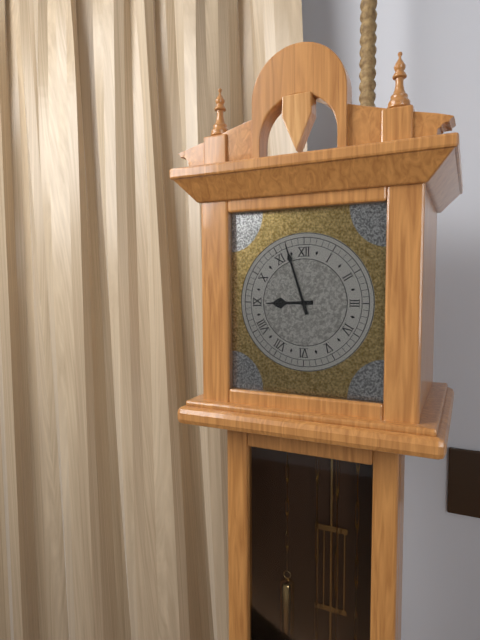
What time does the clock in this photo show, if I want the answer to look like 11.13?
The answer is 8.57
